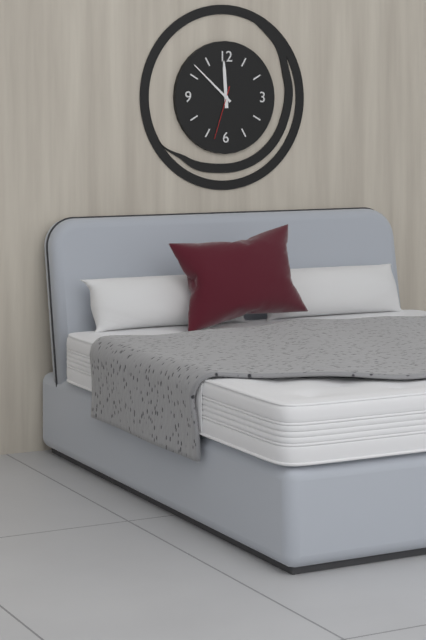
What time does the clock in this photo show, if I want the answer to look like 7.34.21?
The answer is 11.52.33
